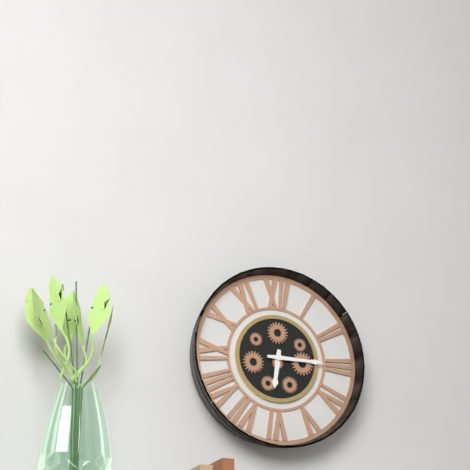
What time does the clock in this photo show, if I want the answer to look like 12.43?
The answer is 6.15
